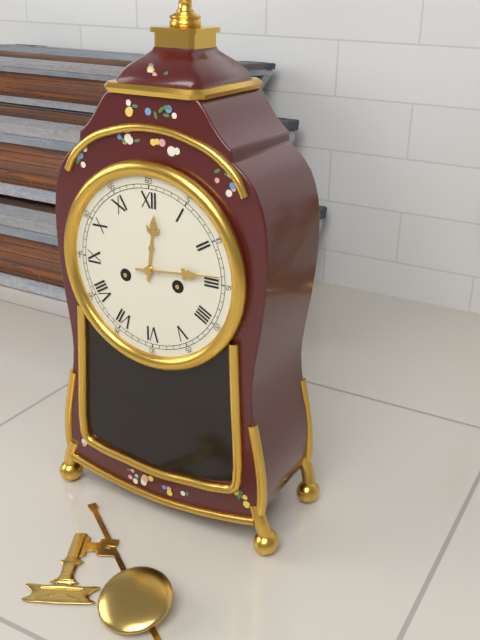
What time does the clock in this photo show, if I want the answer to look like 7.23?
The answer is 12.14
